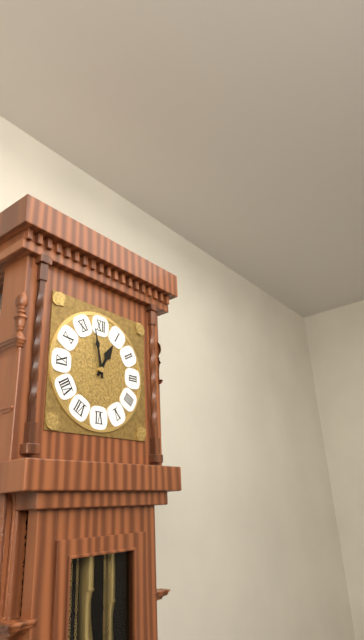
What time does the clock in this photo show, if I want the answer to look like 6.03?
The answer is 12.58
